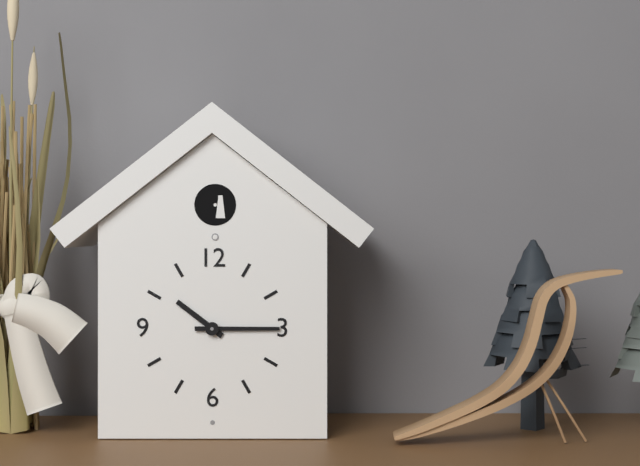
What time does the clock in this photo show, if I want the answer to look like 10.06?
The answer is 10.15
